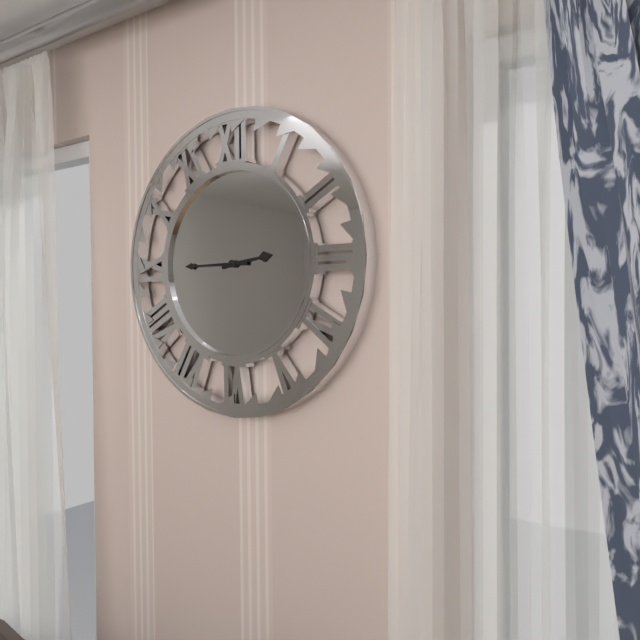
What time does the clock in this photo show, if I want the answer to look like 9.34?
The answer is 2.45
